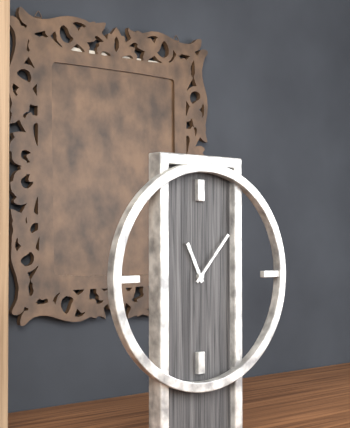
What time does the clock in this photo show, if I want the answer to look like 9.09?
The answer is 11.07
